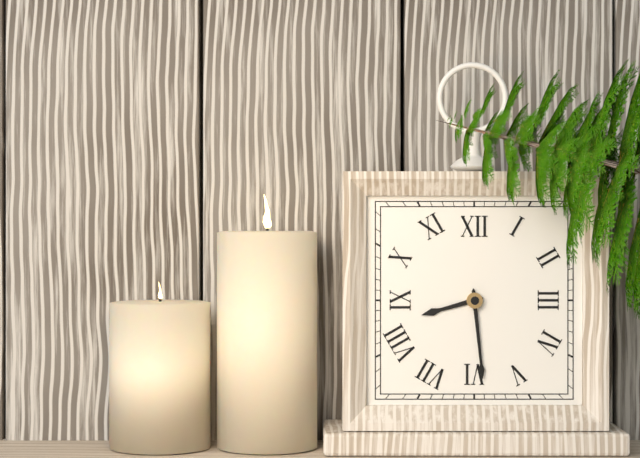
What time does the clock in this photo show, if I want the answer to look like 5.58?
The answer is 8.29
